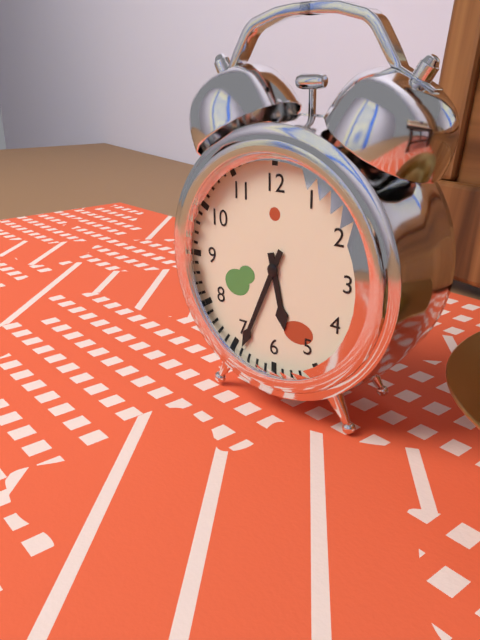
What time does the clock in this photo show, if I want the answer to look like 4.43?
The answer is 5.34
